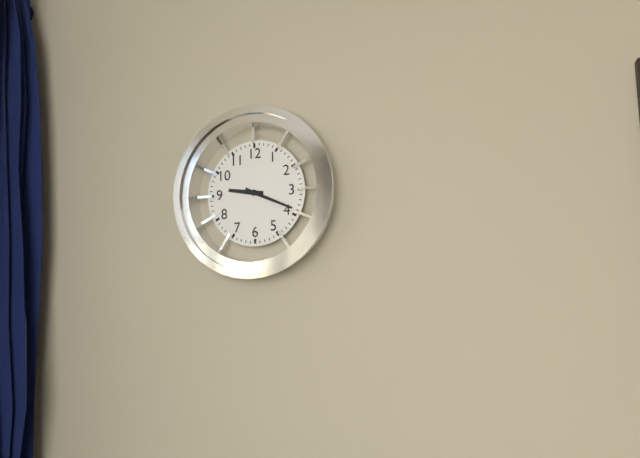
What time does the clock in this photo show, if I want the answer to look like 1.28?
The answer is 9.19
